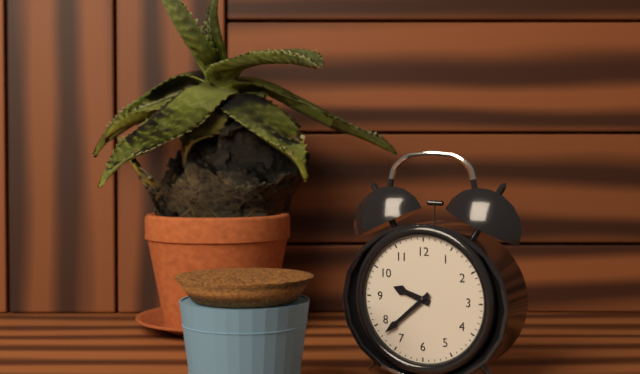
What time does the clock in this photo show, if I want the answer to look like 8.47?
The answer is 9.38
